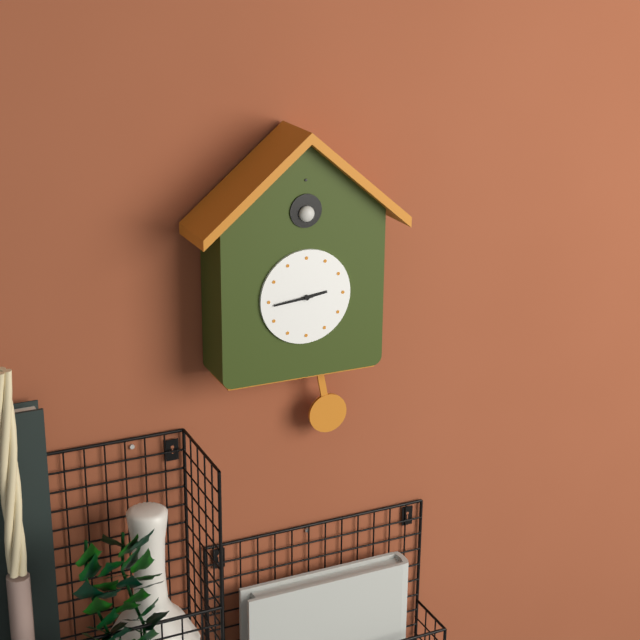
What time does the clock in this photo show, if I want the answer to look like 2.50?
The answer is 2.44
